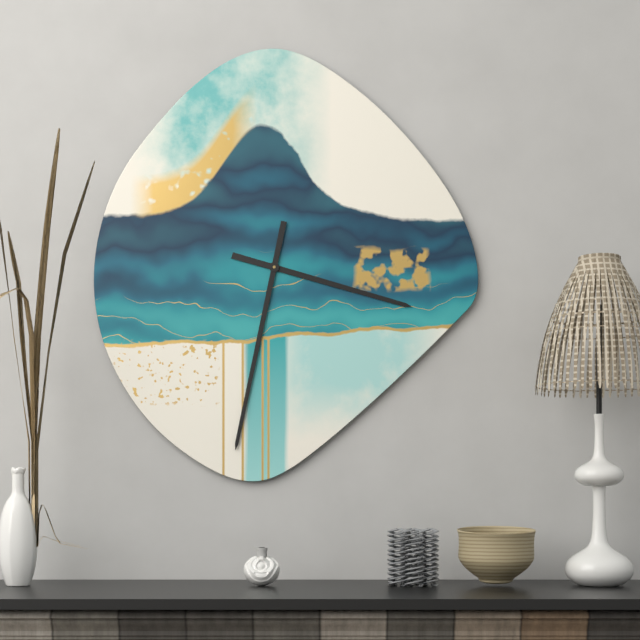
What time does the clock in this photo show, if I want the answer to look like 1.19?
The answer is 3.32
